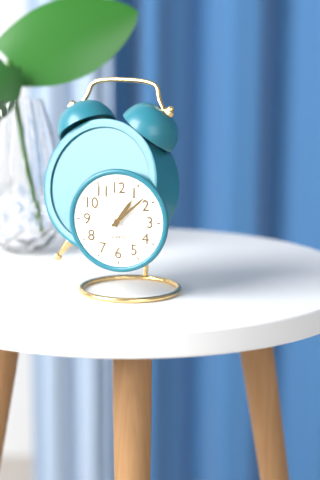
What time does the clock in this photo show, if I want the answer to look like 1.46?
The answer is 1.08
